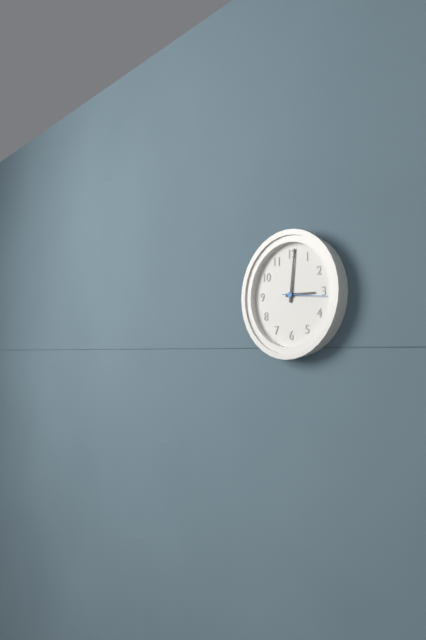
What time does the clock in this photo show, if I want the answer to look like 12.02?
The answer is 3.01
